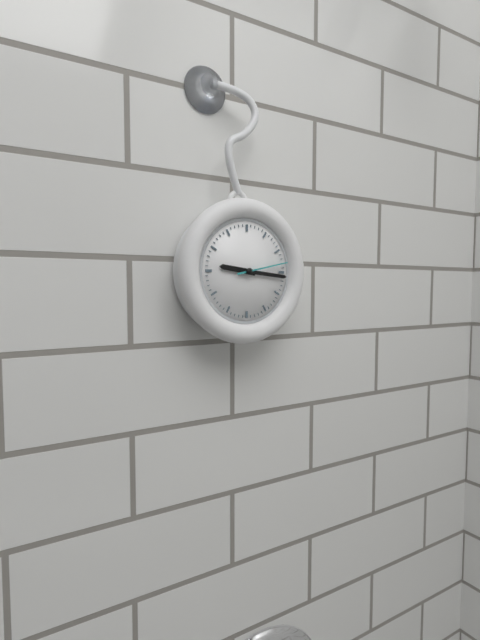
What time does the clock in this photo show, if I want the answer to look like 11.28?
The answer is 9.16
